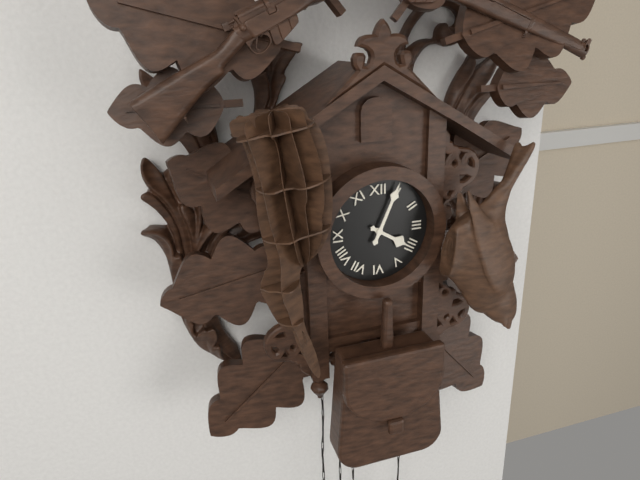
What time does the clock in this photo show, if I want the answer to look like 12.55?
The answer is 4.04
